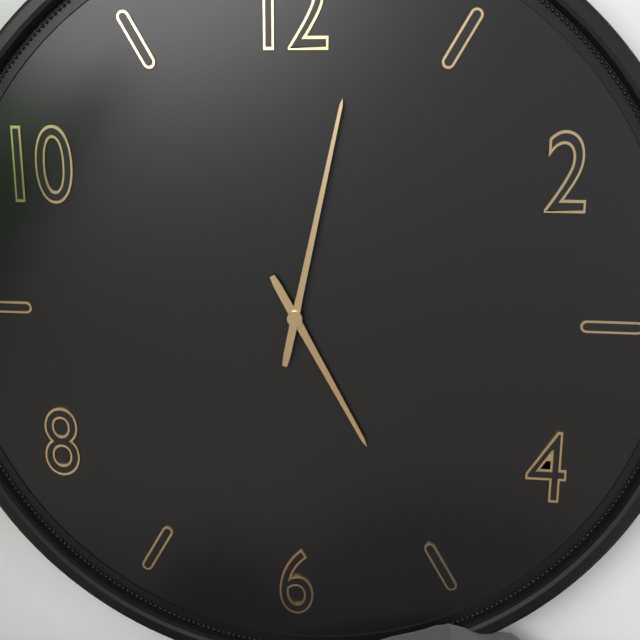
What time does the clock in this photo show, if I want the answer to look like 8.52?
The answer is 5.02
